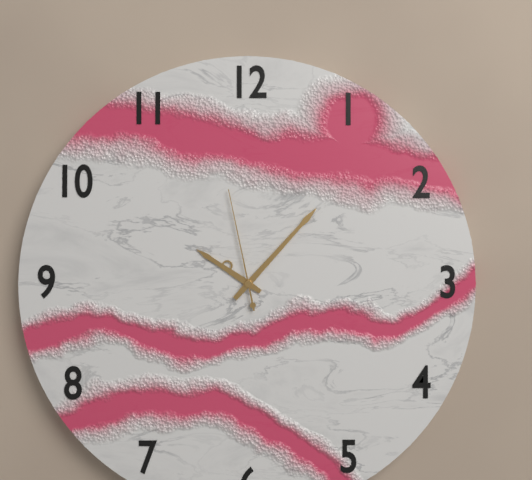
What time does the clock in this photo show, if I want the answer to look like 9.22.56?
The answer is 10.07.58
